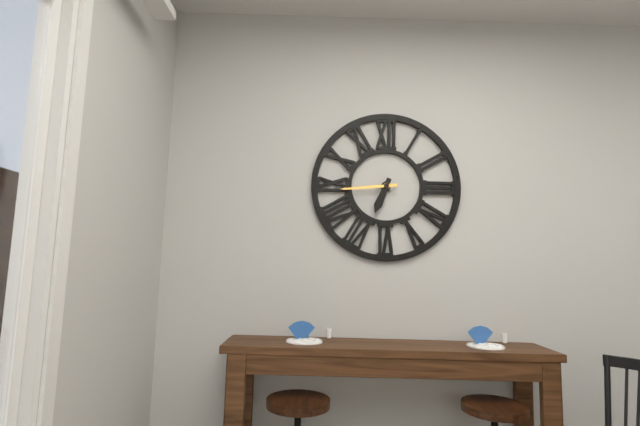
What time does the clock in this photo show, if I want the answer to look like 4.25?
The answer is 6.44
